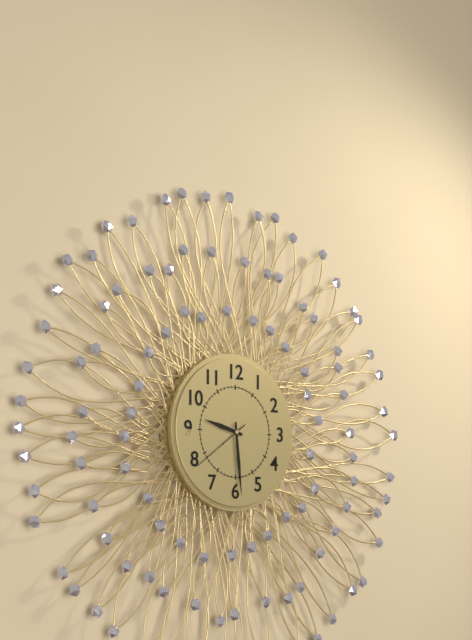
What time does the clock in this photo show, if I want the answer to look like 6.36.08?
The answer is 9.29.39
